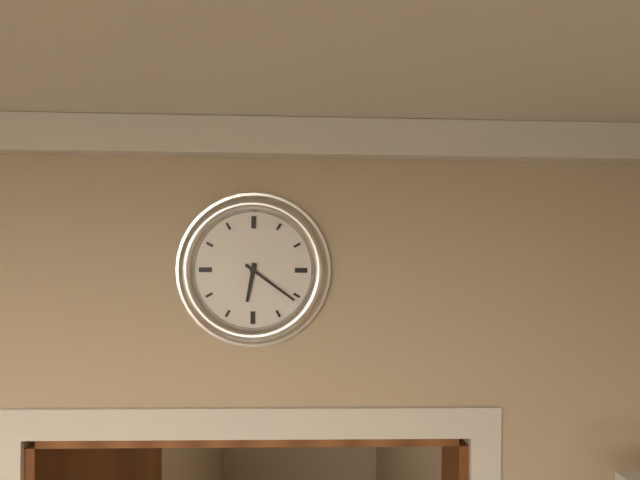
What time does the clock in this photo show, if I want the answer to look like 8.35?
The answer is 6.21
